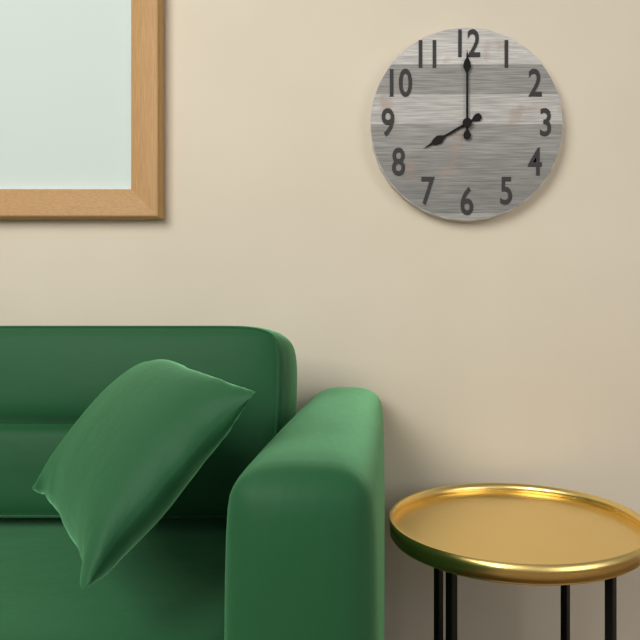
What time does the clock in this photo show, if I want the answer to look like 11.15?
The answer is 8.00
